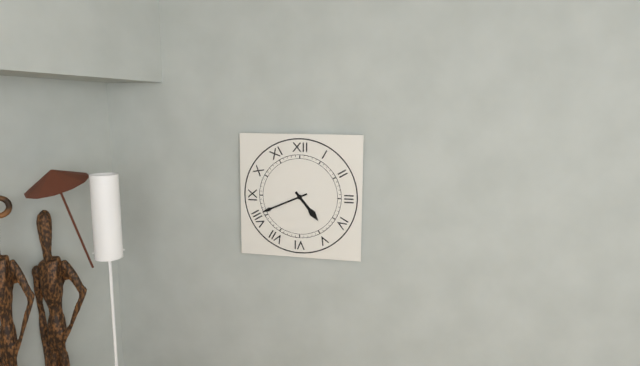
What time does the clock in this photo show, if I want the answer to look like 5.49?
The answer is 4.41
